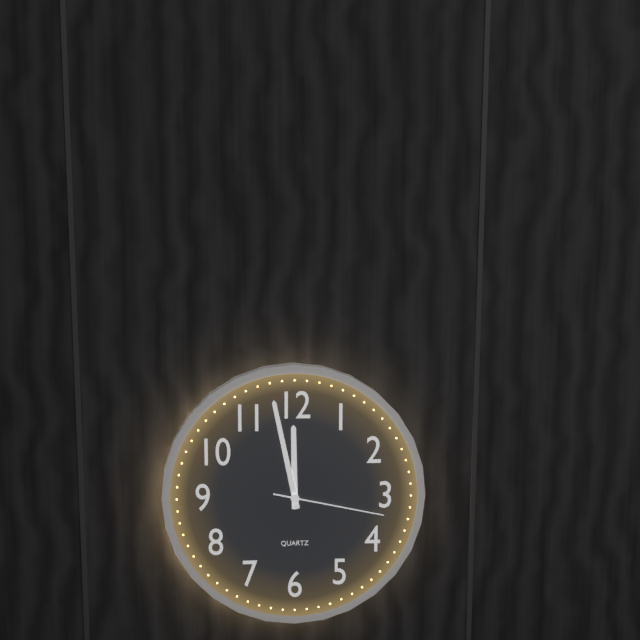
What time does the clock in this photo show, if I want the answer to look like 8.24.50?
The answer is 11.58.17
